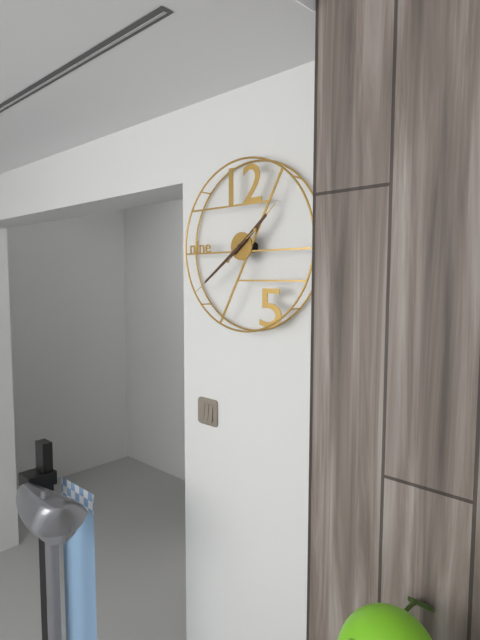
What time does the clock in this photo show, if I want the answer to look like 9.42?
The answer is 1.39
